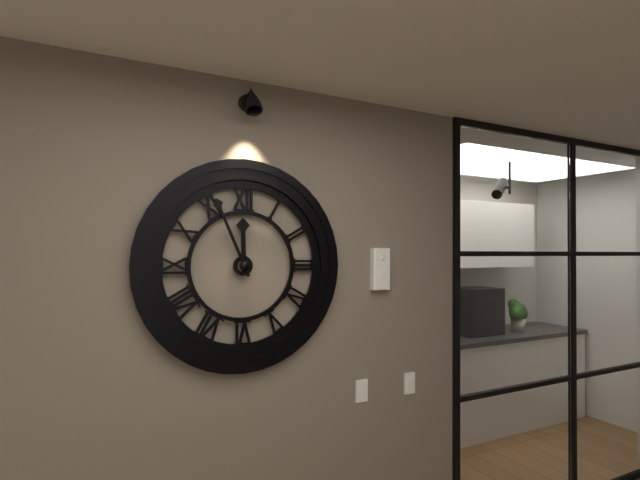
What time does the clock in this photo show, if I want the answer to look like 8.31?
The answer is 11.56
